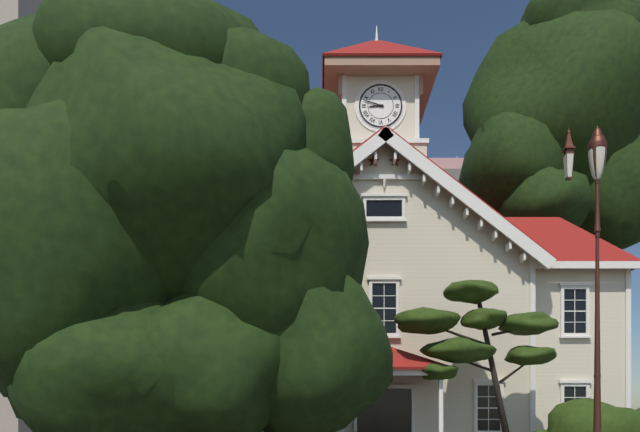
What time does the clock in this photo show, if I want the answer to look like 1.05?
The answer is 8.48
